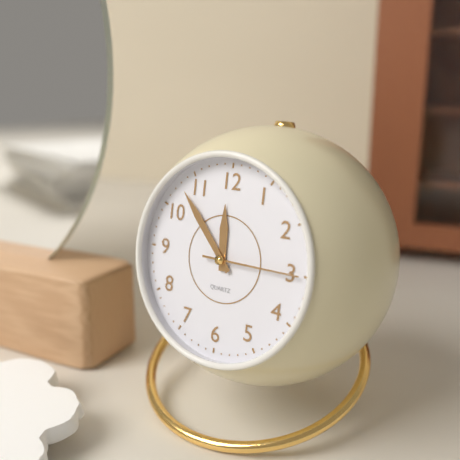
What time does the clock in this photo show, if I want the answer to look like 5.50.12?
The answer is 11.53.15
